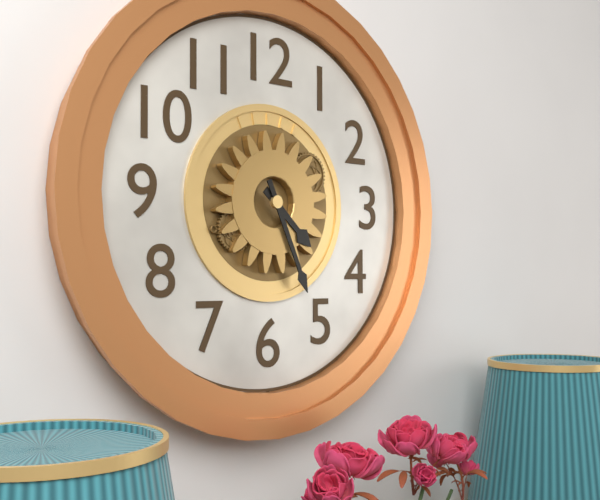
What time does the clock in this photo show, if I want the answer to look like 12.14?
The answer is 4.26
